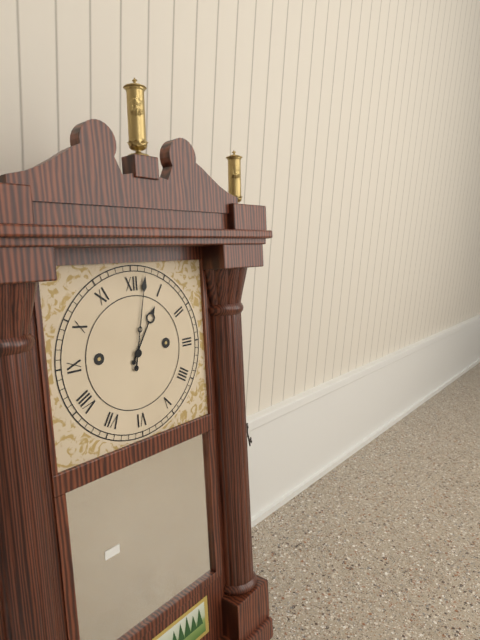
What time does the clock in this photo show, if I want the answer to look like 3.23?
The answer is 1.02
